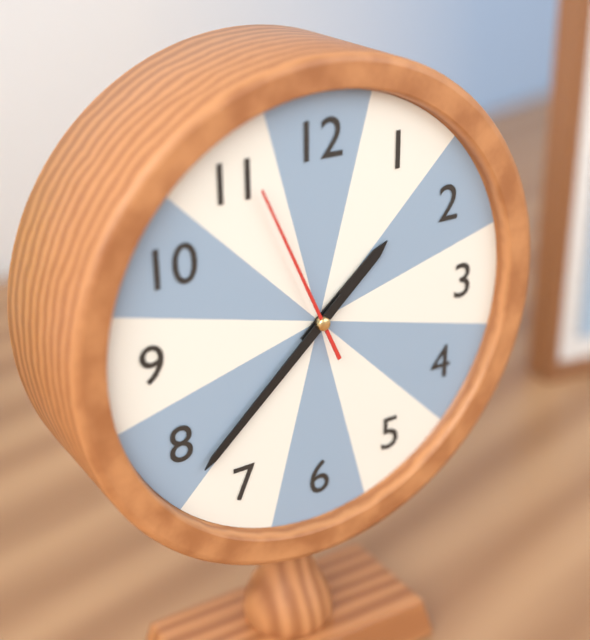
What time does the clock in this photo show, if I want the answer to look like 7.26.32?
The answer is 1.38.56
